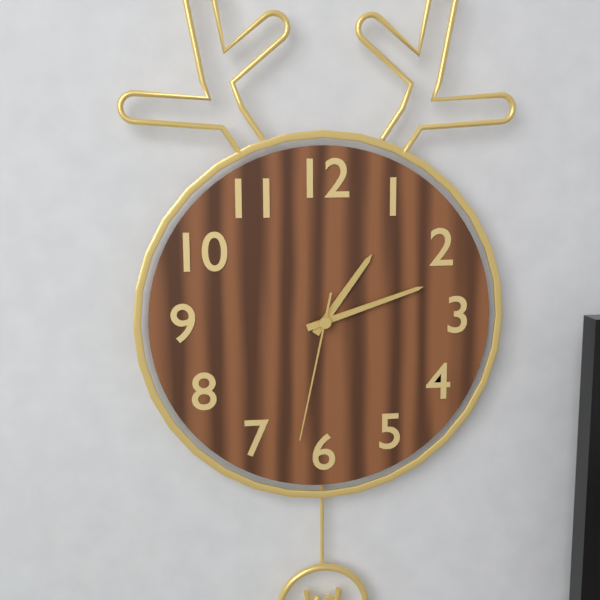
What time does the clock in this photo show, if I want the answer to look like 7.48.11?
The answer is 1.12.32
